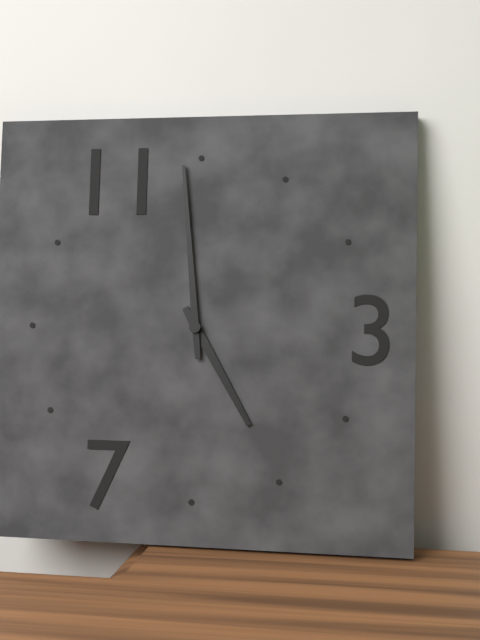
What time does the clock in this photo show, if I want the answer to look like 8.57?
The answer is 4.59
